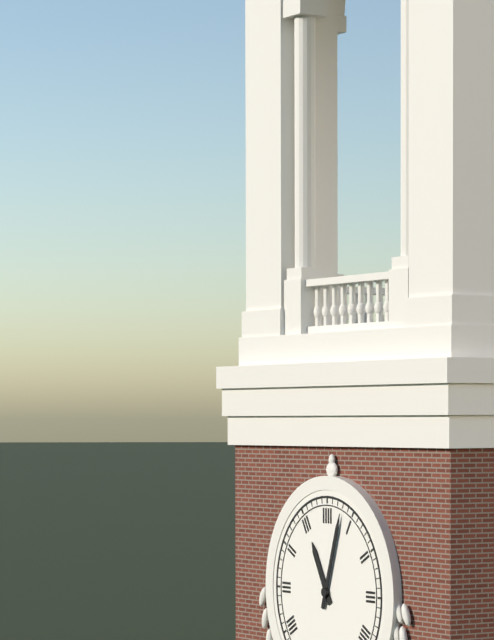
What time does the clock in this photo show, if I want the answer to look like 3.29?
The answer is 11.03
